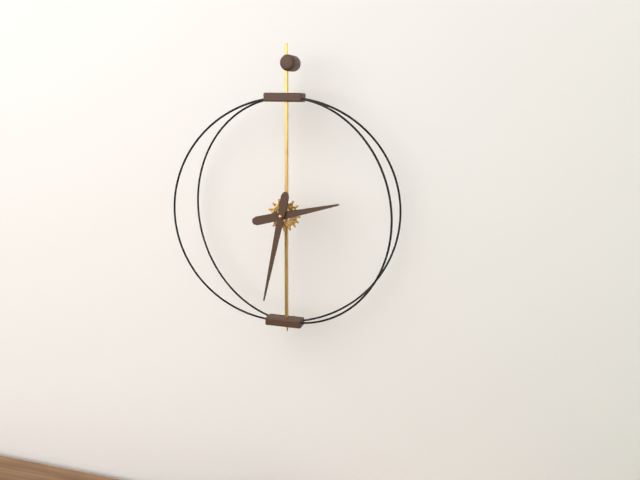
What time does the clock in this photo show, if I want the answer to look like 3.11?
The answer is 2.32
